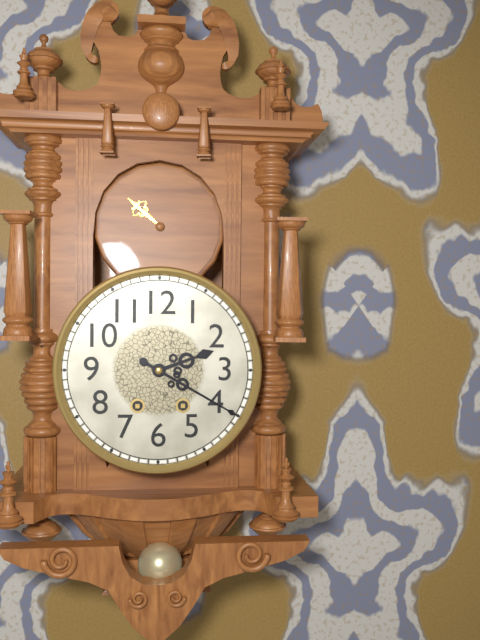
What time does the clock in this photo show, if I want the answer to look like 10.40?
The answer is 2.20
